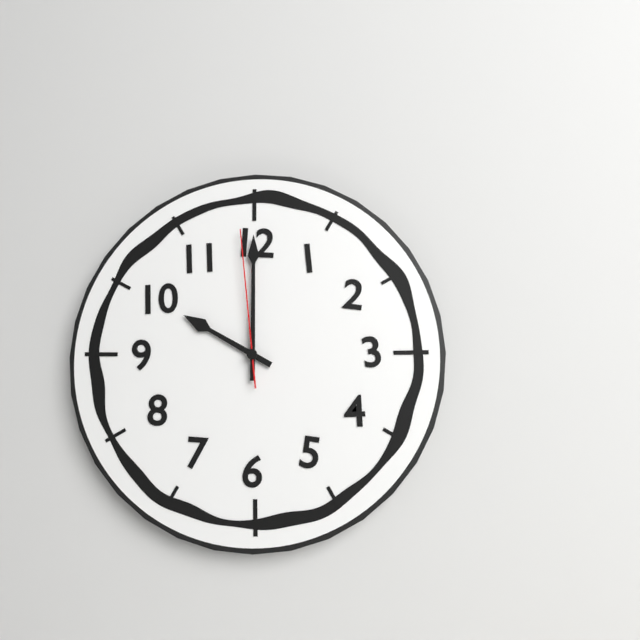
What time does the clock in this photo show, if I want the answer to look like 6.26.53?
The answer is 10.00.59
